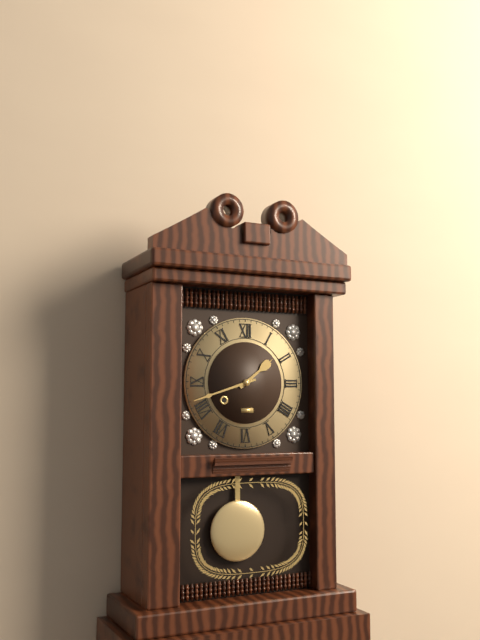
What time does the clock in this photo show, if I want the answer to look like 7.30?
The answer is 1.42
